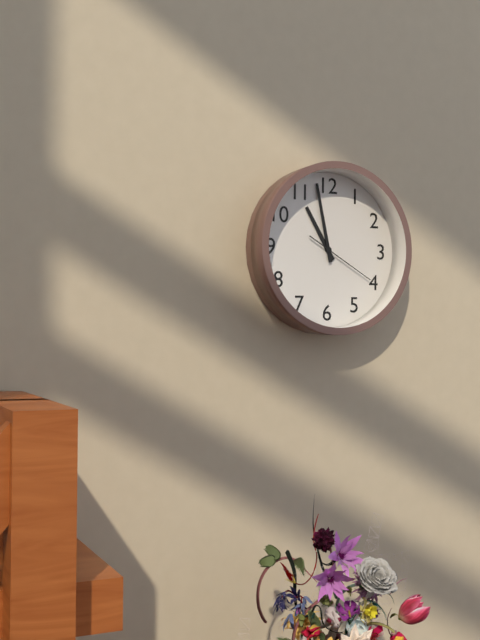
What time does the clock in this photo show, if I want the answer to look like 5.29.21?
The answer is 10.58.20
